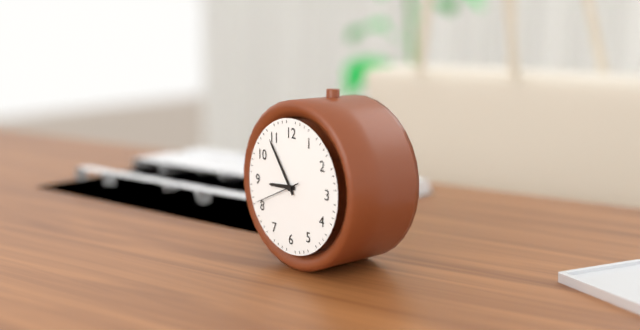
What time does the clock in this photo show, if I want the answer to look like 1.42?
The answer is 8.54
